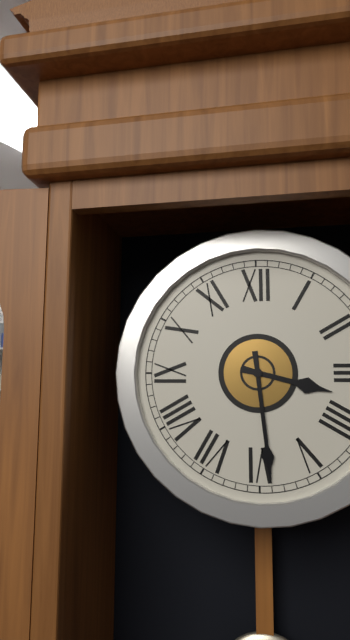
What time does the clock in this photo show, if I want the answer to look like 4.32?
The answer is 3.29
